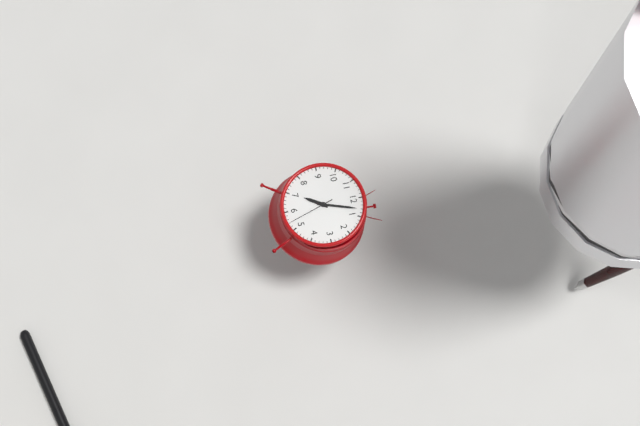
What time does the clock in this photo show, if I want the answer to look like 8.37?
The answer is 7.03
